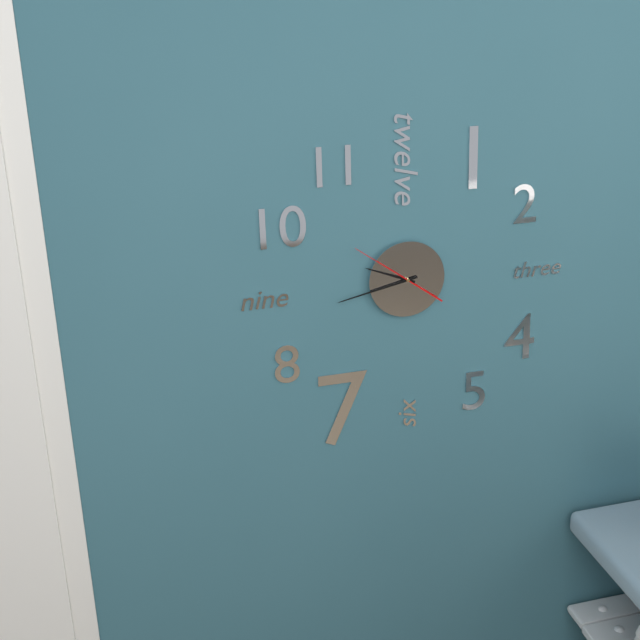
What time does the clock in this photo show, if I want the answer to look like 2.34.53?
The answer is 9.43.51
